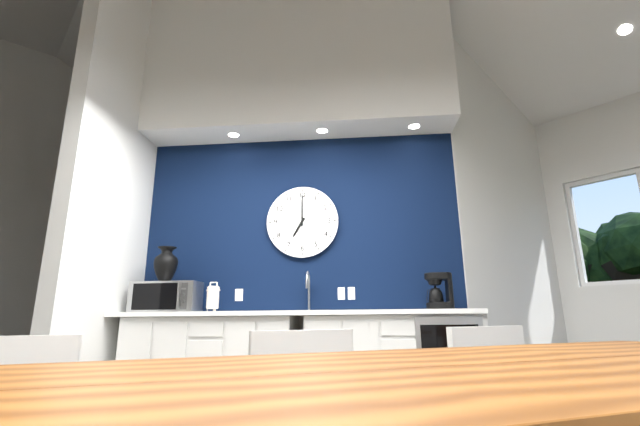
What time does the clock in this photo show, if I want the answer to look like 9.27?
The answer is 7.00
